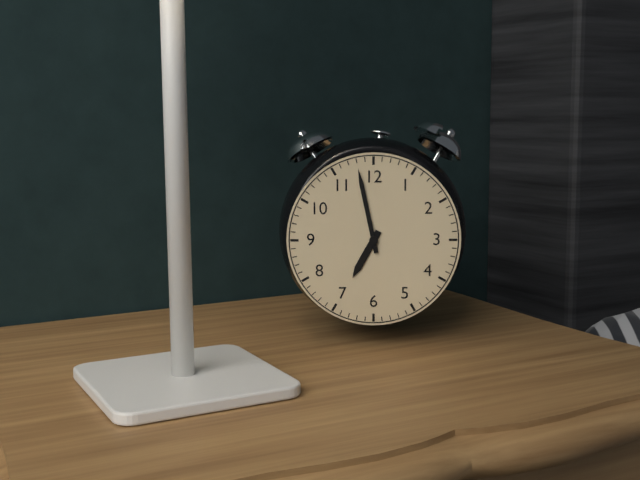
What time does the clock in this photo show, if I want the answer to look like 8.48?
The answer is 6.58
